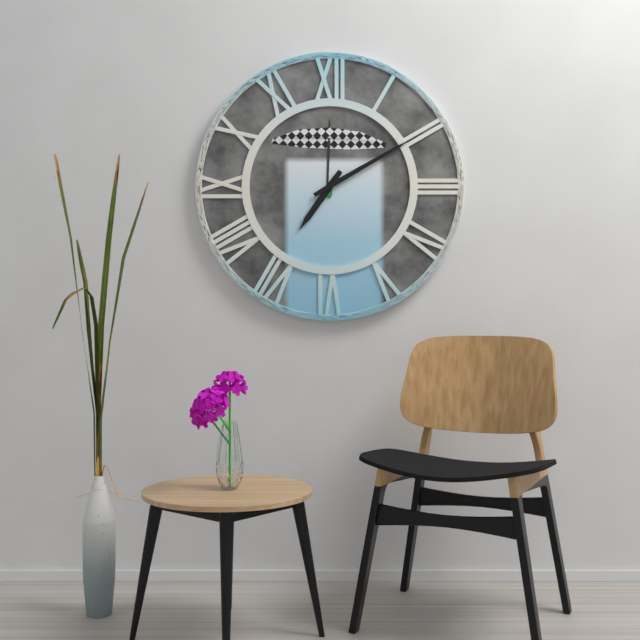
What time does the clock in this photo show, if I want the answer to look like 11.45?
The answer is 7.10
